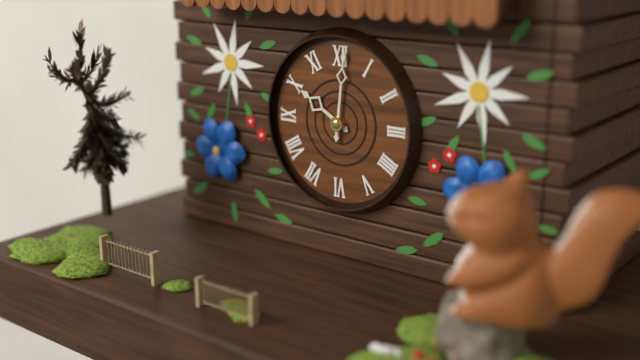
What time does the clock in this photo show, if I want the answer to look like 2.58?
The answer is 10.01
